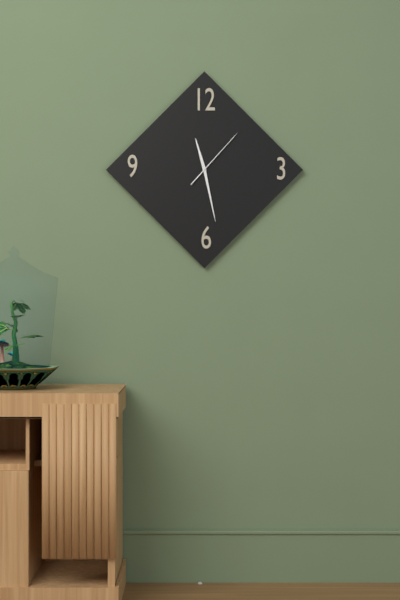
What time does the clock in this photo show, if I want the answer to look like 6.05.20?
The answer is 11.28.07
